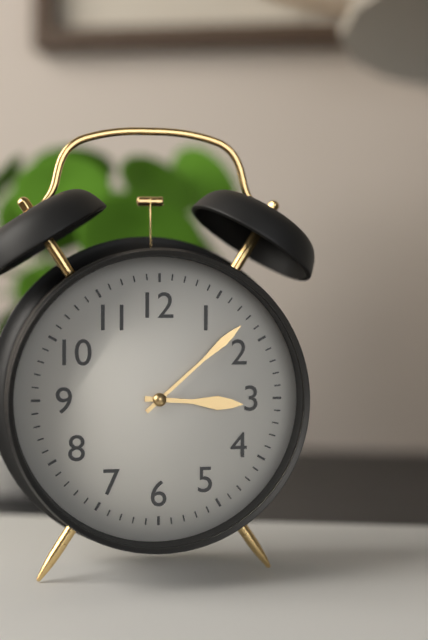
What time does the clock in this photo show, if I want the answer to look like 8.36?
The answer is 3.08
